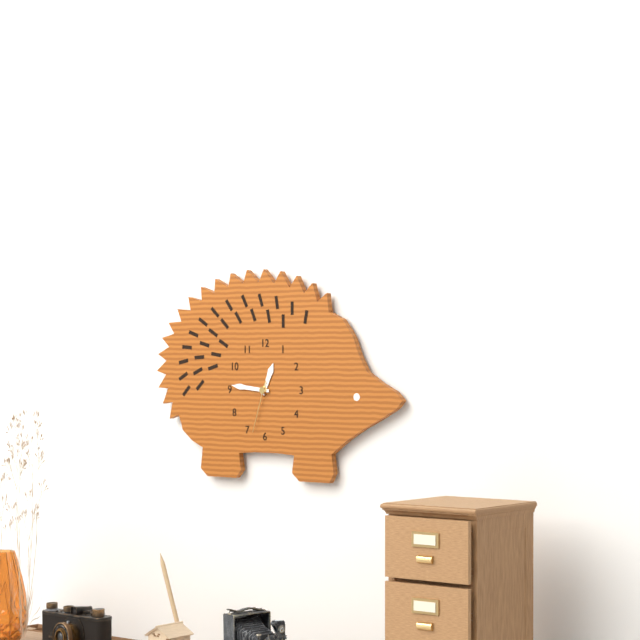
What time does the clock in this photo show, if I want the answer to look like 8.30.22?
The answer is 12.46.33
